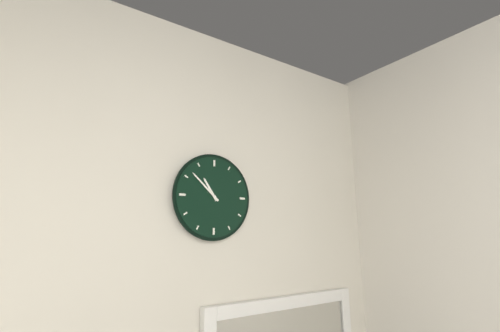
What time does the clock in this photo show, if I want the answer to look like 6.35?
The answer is 10.52
